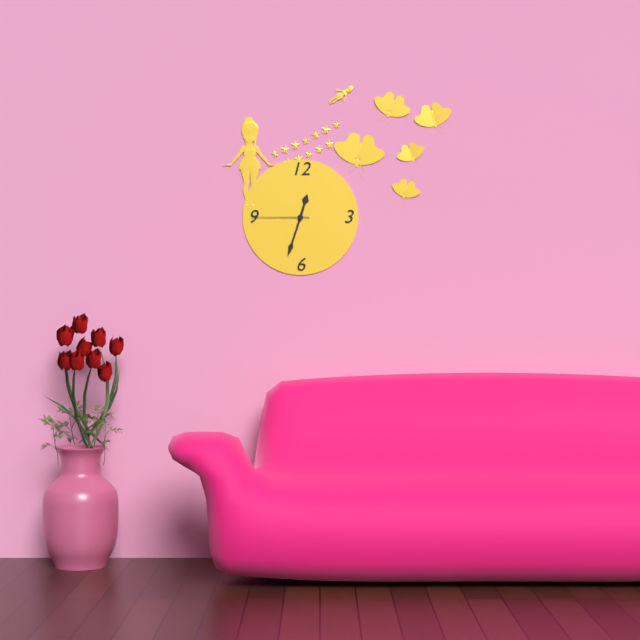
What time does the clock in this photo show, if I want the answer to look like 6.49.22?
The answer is 12.33.45
